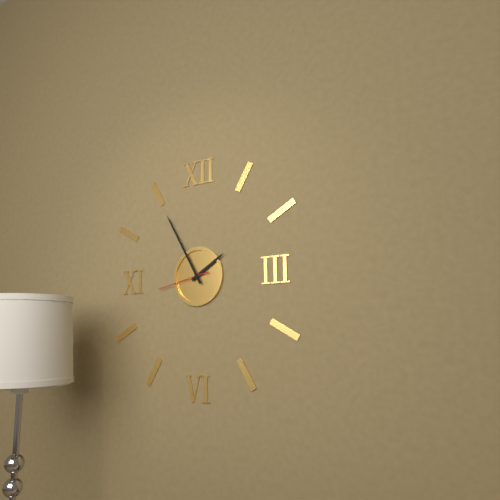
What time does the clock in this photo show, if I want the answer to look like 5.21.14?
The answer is 1.55.43
